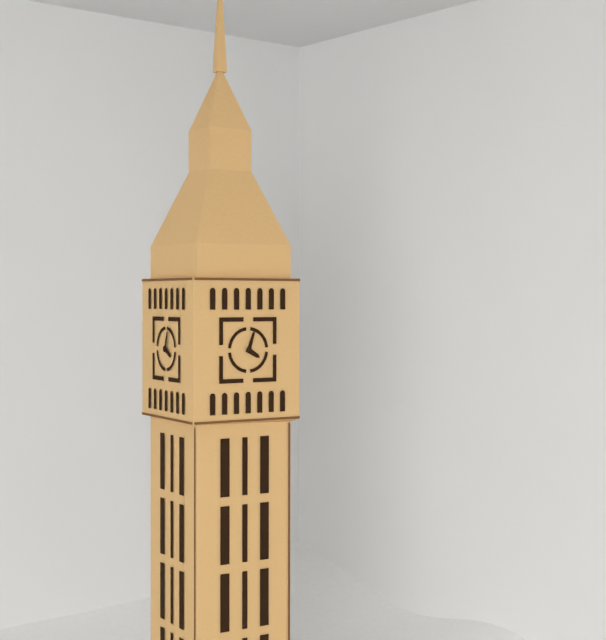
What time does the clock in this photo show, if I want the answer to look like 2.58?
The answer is 4.03
